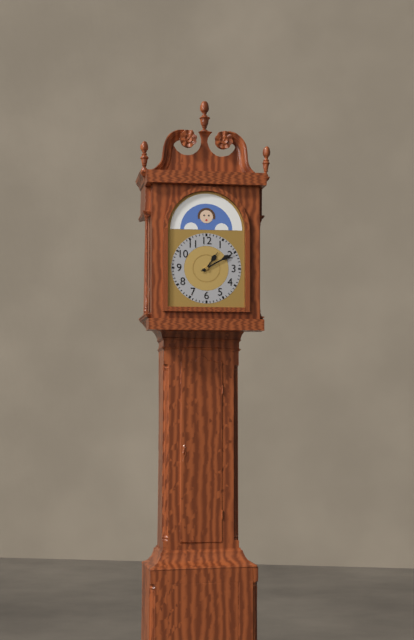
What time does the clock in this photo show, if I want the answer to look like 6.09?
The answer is 1.10
